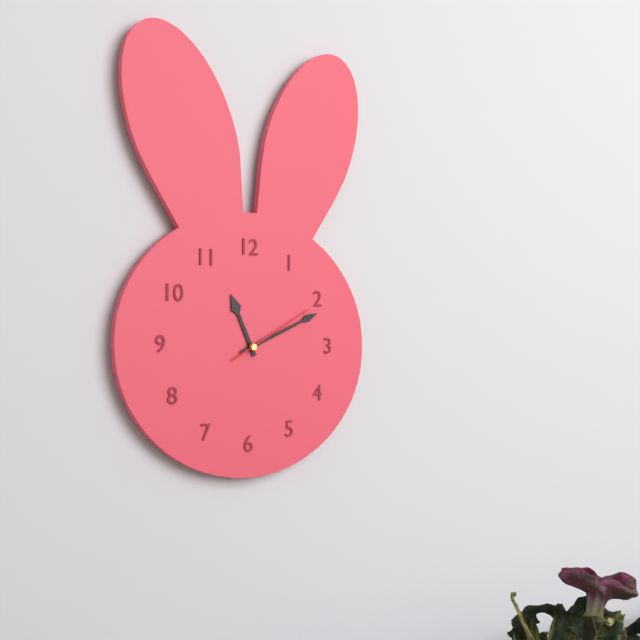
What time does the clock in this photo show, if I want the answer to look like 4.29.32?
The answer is 11.11.10
